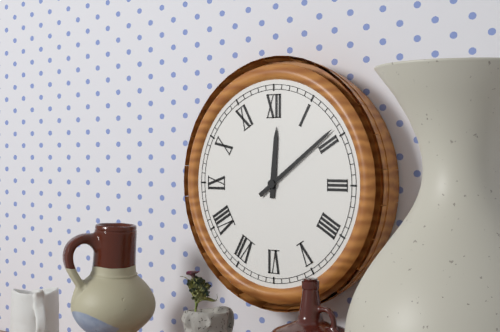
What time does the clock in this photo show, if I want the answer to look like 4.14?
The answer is 12.09
